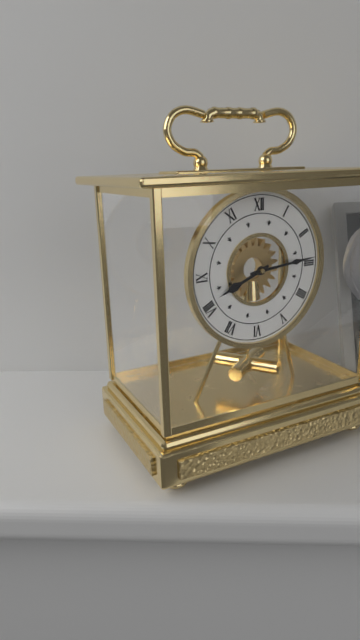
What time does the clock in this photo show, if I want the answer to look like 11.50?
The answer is 8.14
